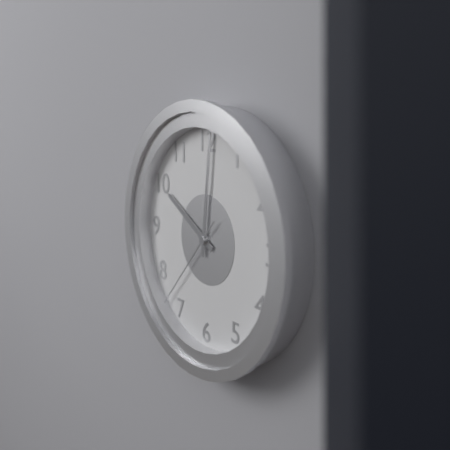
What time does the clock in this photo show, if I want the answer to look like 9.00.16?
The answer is 10.01.37
